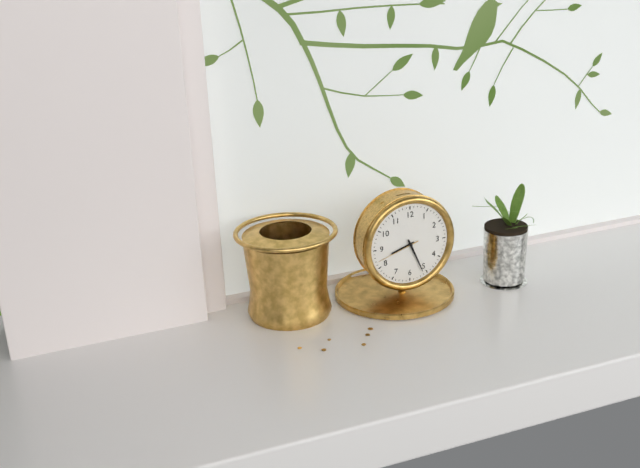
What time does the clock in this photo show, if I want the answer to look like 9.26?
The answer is 8.26
